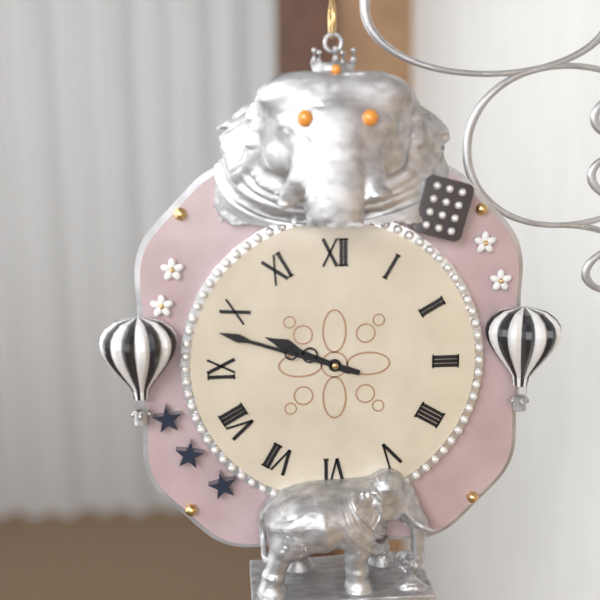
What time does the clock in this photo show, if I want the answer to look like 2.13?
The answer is 9.48
